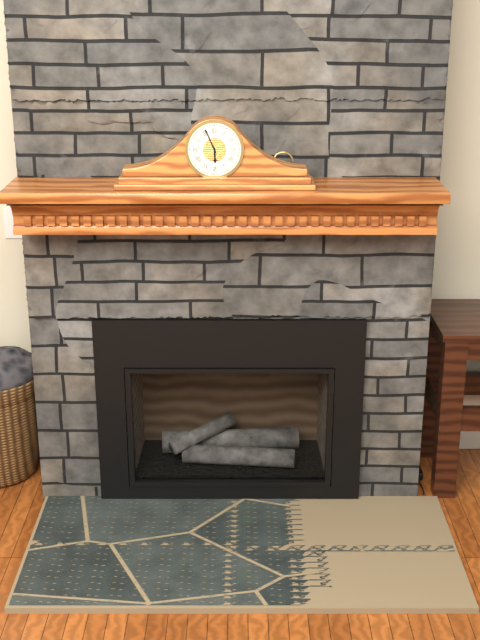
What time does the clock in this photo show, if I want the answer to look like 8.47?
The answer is 5.56
